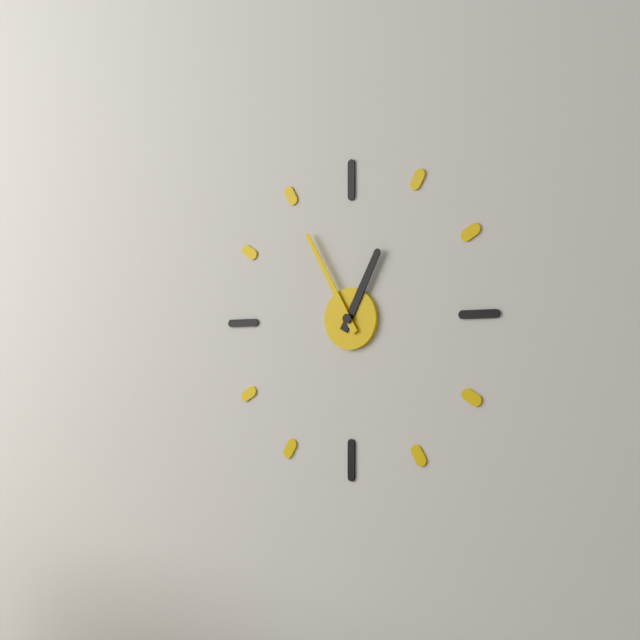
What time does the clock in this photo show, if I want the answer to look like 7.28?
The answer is 12.55
